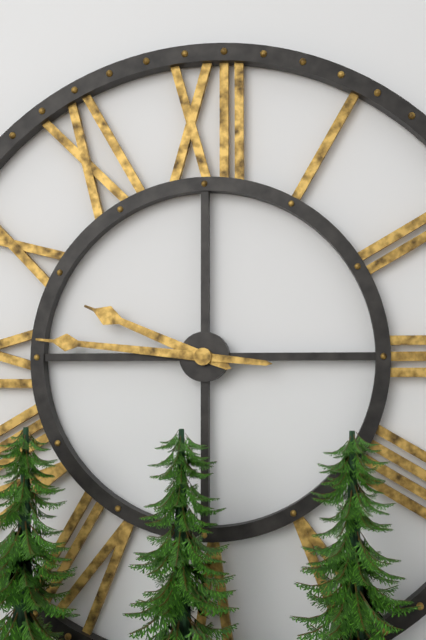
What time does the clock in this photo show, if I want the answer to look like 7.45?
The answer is 9.46
